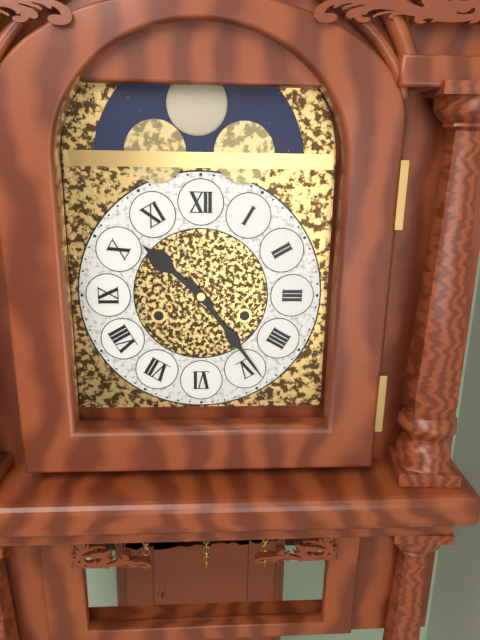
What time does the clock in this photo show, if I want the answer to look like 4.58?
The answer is 10.24
